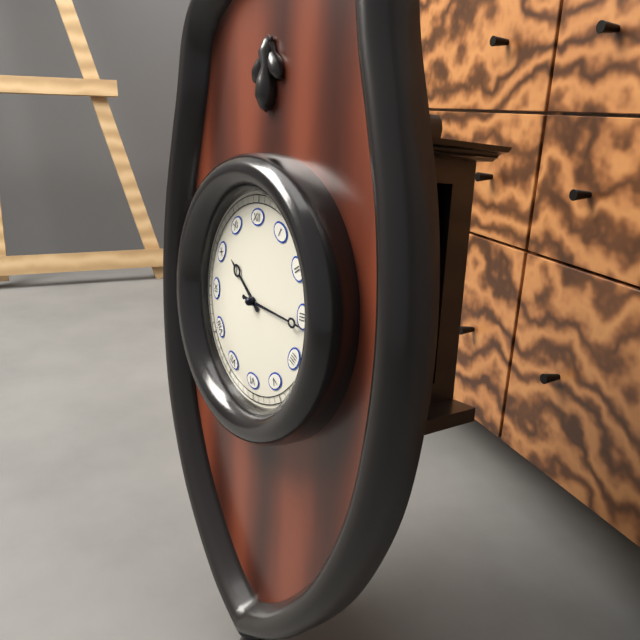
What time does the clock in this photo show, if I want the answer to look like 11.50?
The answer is 10.16
